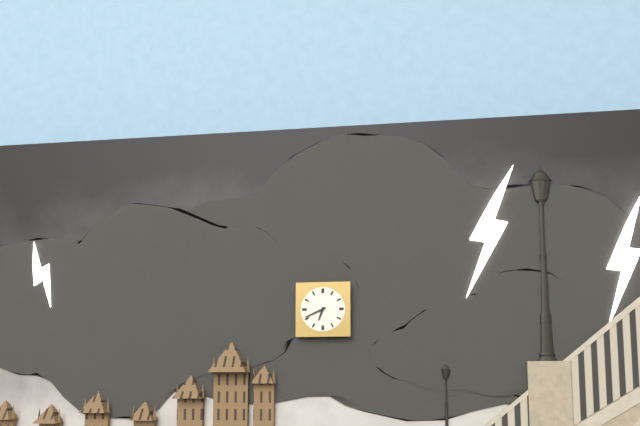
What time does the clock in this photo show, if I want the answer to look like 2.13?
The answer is 6.41
